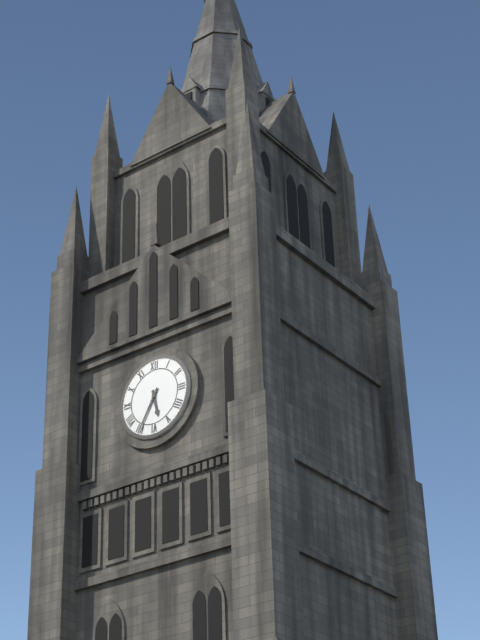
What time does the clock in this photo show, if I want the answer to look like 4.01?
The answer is 5.35
